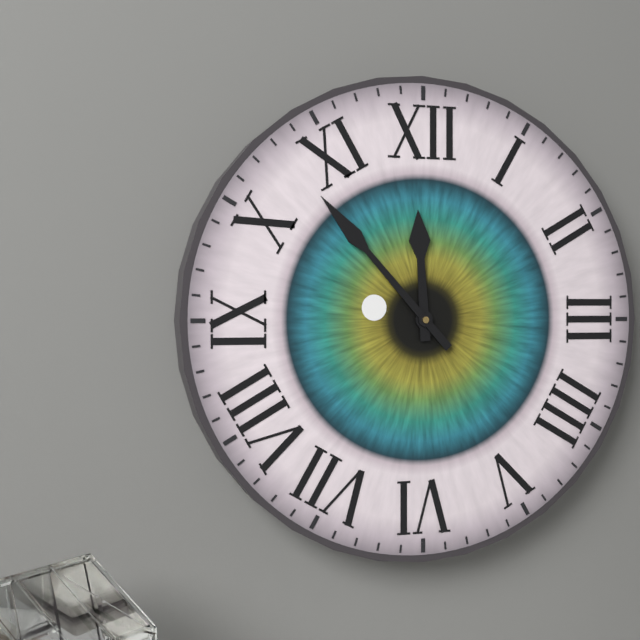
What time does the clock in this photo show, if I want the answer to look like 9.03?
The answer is 11.53
